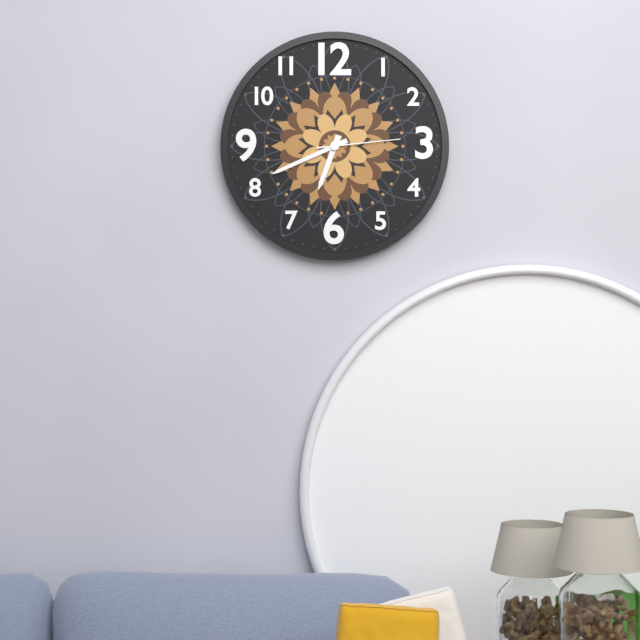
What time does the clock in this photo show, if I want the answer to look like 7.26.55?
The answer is 6.41.14
